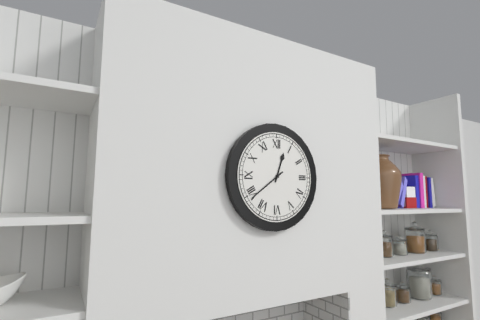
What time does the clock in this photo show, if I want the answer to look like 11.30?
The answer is 12.39
